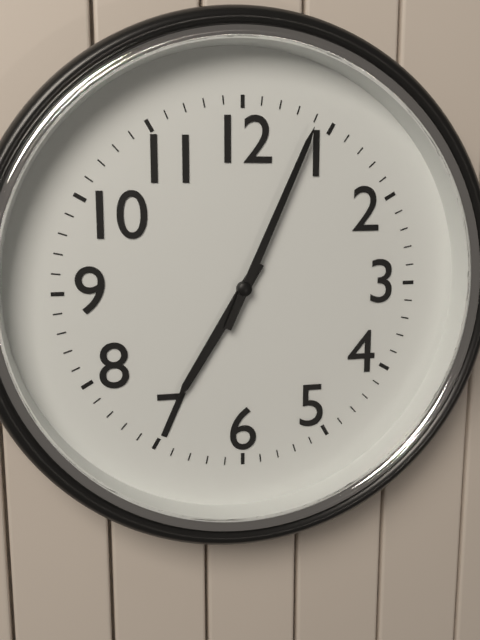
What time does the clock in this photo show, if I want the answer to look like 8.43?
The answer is 7.04
